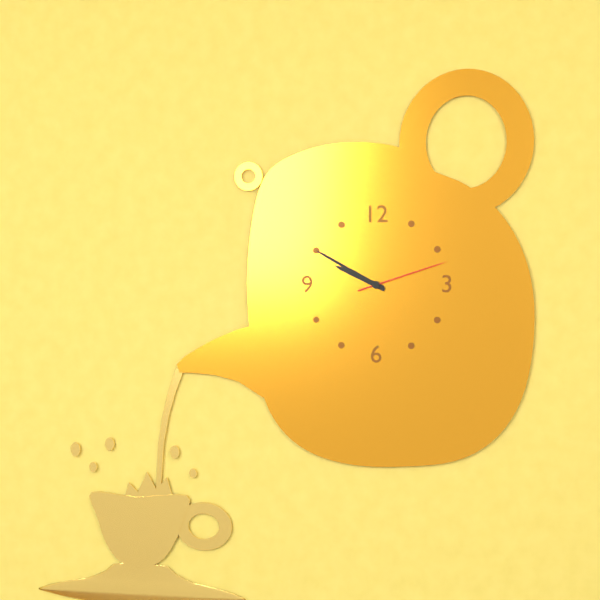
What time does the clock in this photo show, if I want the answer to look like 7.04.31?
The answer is 9.50.12
